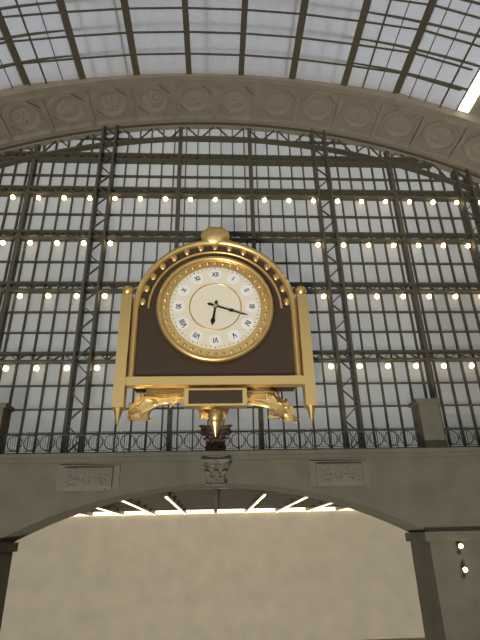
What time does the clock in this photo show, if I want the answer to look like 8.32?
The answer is 6.18
